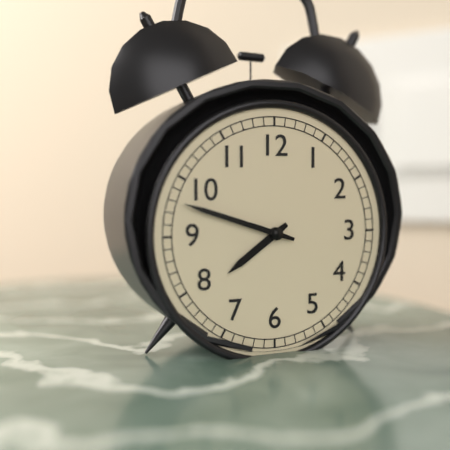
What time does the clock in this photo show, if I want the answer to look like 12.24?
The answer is 7.48
